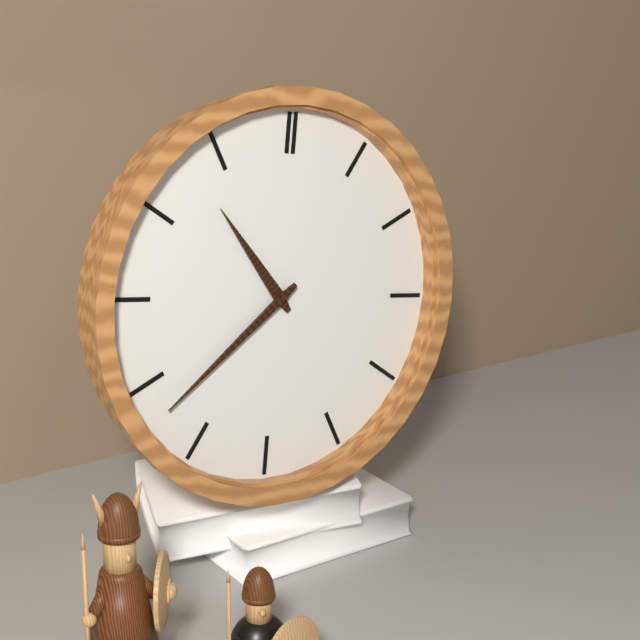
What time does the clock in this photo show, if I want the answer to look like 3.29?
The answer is 10.38
